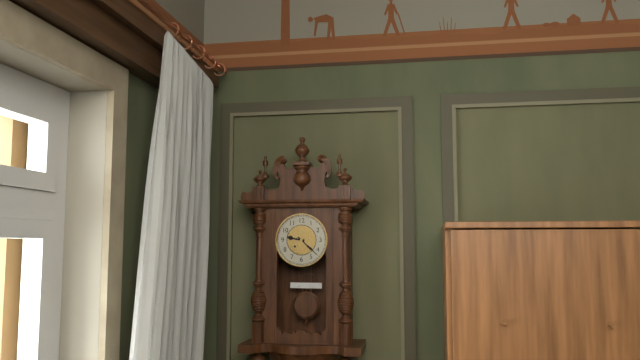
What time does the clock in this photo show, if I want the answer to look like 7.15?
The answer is 9.22
